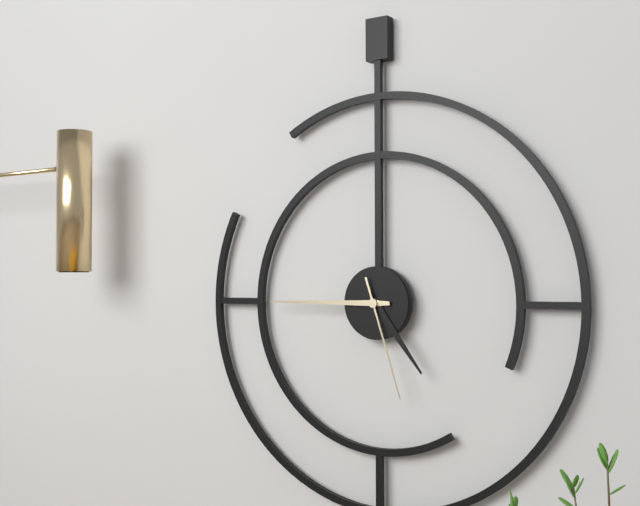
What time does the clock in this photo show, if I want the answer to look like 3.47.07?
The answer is 4.45.27
